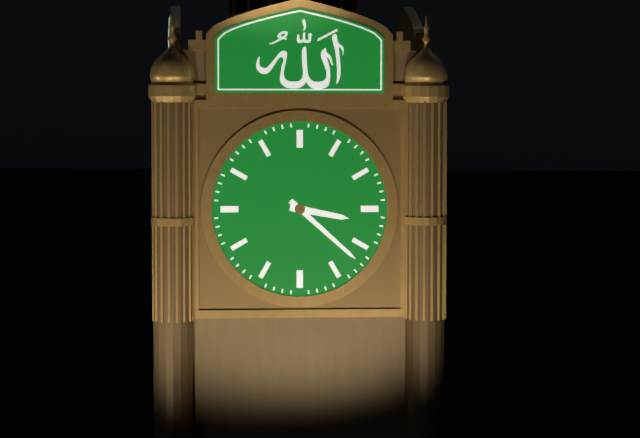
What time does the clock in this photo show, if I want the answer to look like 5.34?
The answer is 3.22
